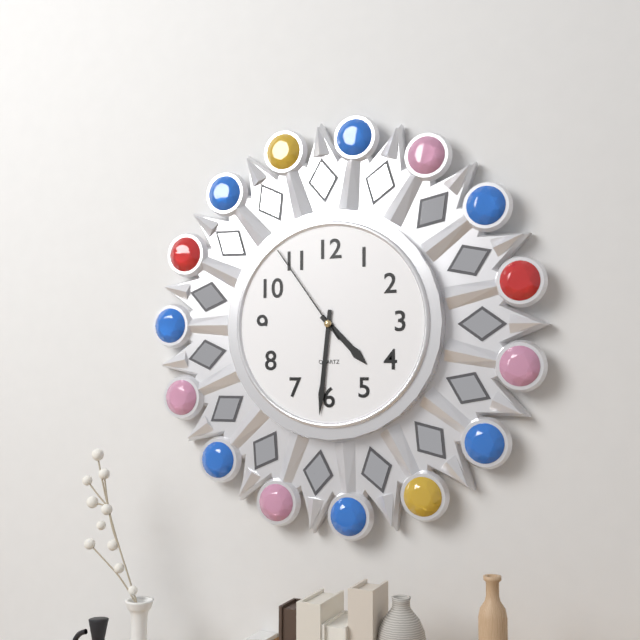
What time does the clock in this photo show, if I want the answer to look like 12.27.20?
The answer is 4.31.54
